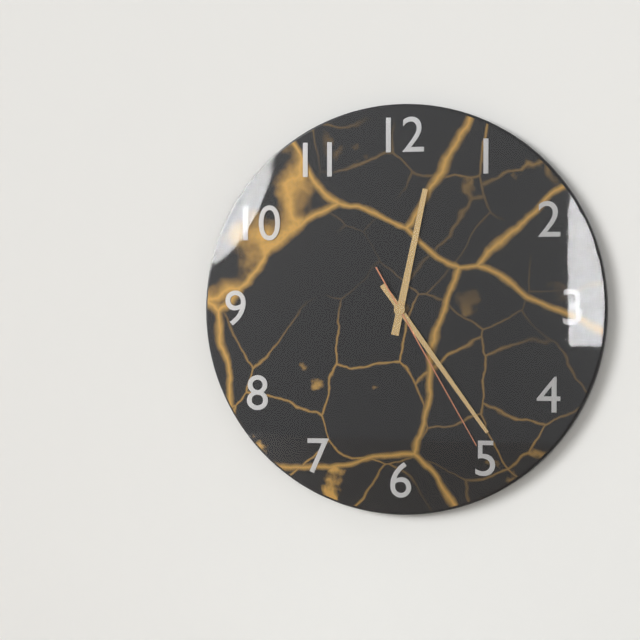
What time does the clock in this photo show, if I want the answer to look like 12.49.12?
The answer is 12.24.25
